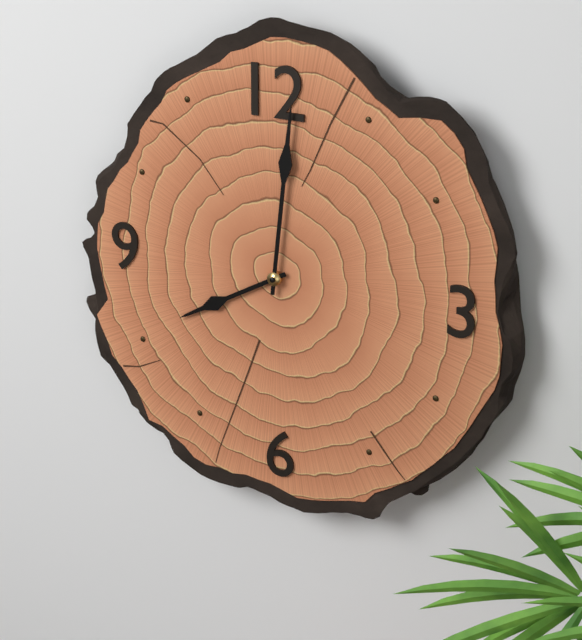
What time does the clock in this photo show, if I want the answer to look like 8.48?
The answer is 8.01
